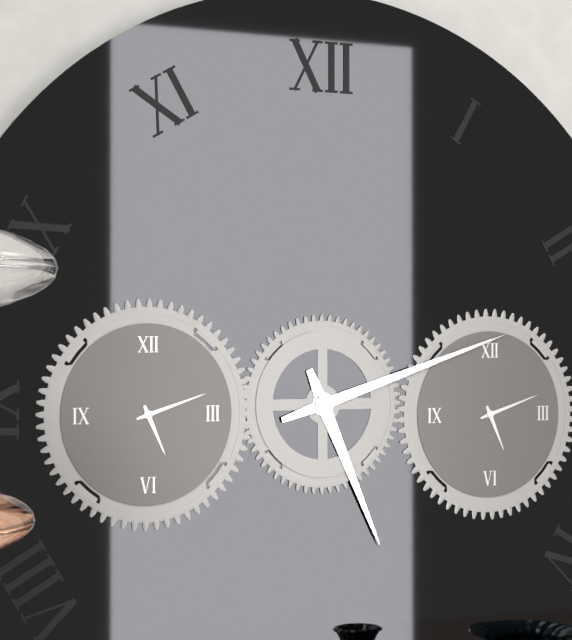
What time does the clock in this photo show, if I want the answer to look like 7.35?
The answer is 5.12
